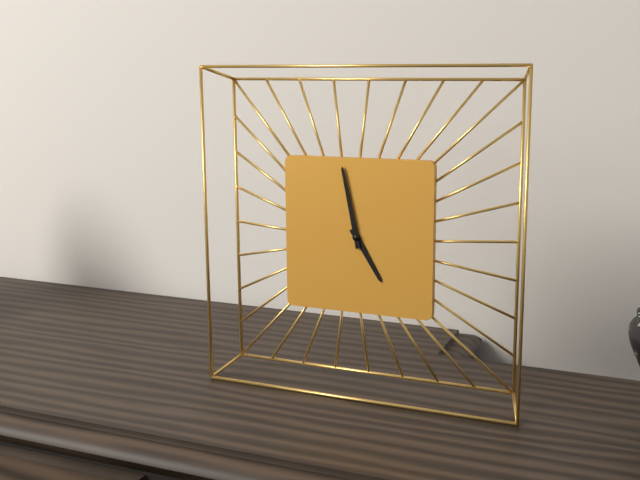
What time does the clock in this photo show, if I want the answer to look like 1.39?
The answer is 4.58
